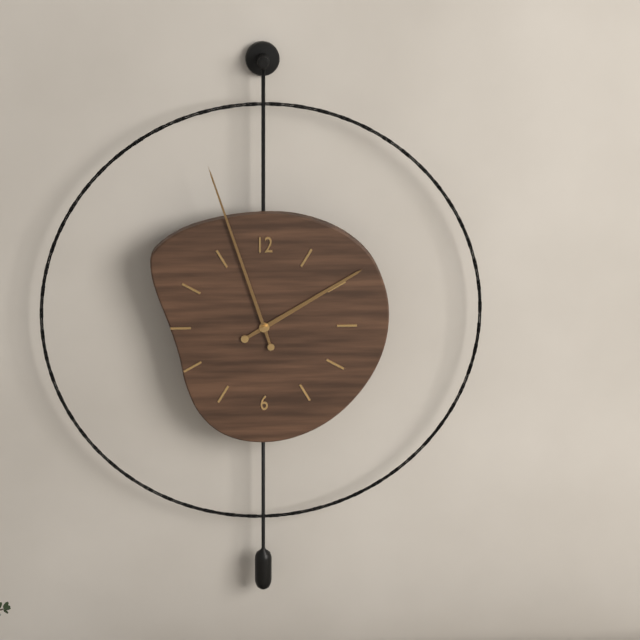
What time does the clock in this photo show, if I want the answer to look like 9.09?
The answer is 1.57
